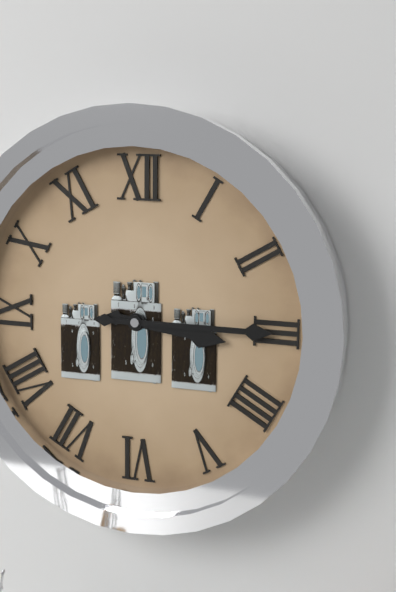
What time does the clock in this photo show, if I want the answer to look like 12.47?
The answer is 3.15
